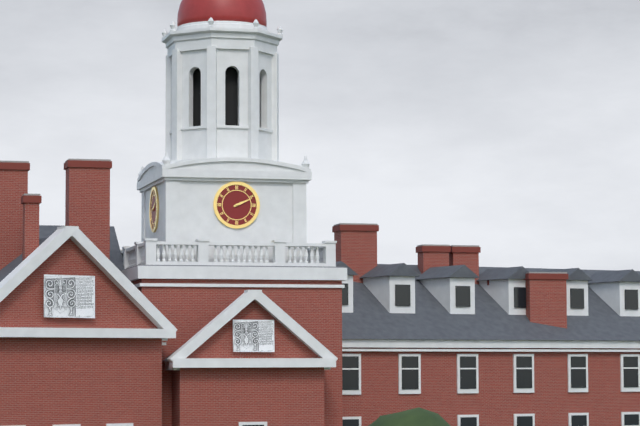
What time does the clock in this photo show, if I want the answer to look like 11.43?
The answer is 2.11
